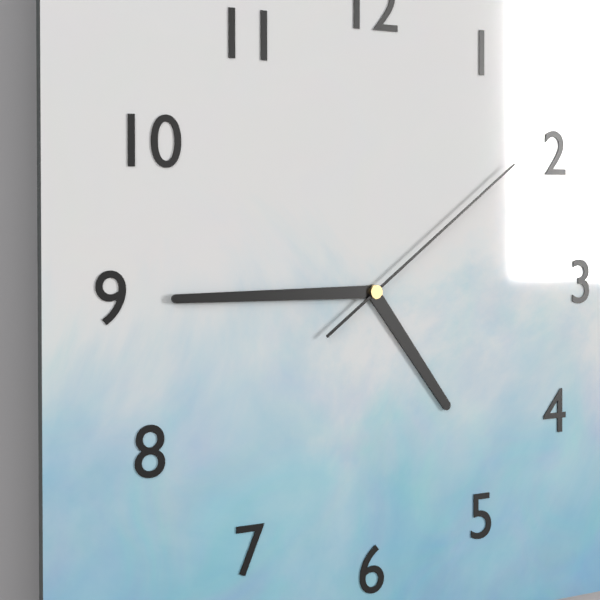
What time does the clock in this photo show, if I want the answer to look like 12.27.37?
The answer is 4.45.09
